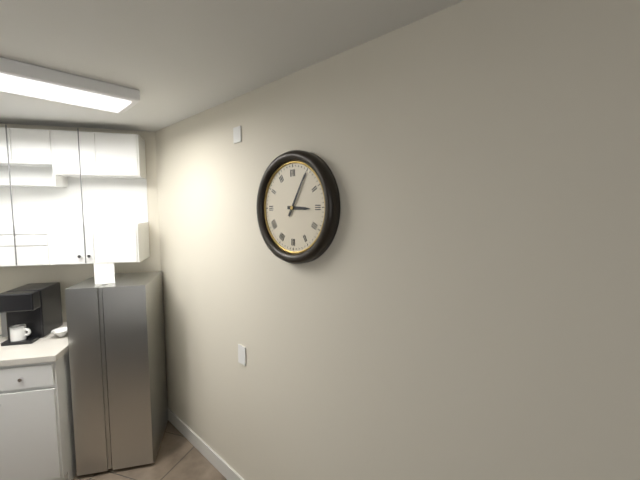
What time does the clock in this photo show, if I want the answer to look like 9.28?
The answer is 3.05
